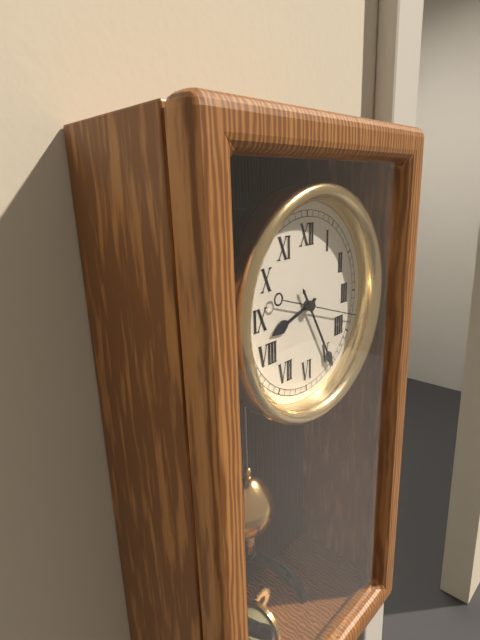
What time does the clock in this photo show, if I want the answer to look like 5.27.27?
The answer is 8.25.18
